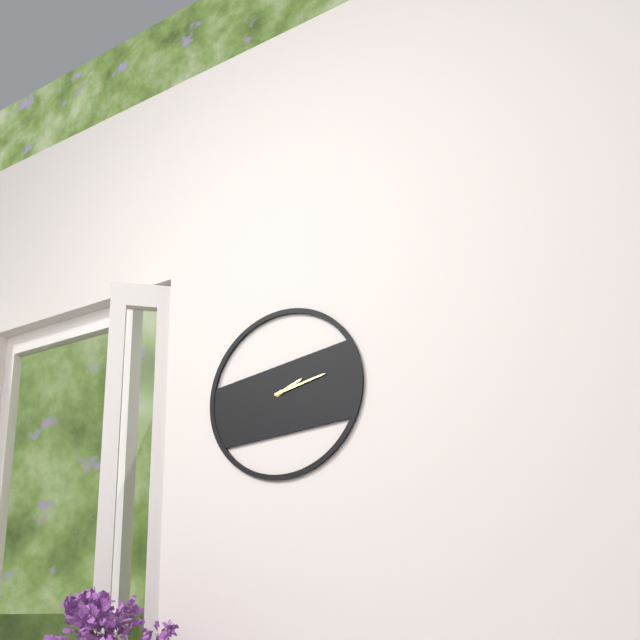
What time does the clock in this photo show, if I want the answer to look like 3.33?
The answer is 2.13
